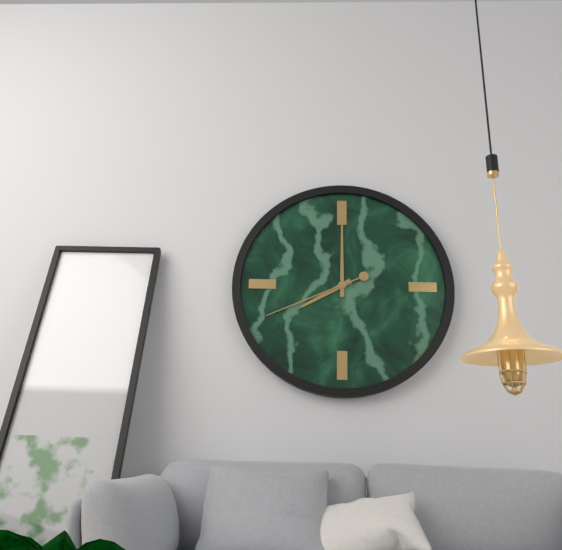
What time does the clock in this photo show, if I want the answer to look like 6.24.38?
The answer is 8.00.41
